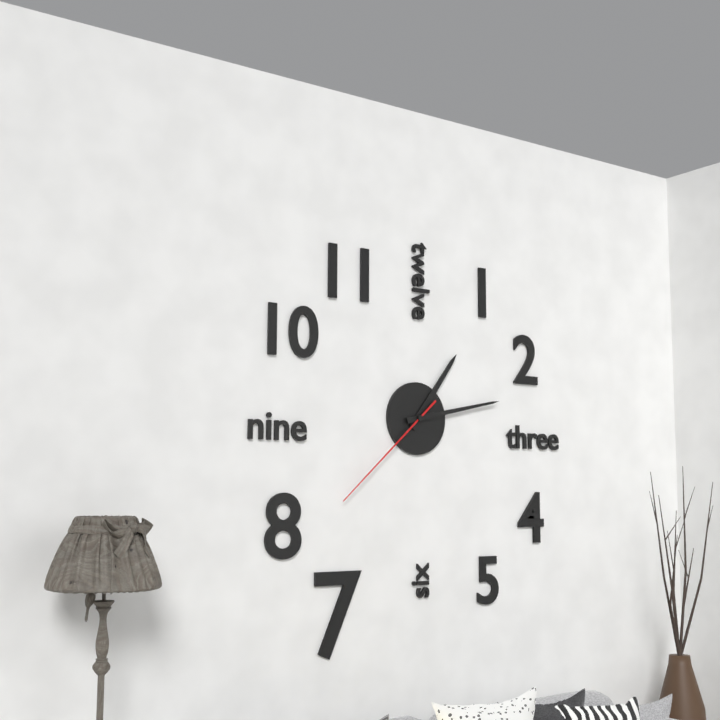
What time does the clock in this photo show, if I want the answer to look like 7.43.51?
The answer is 1.13.38
